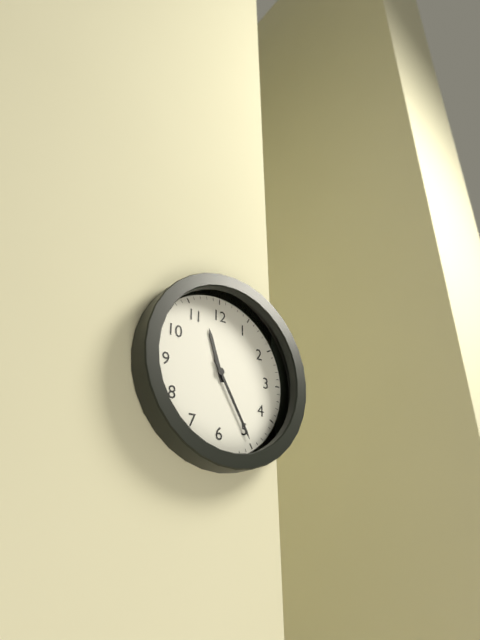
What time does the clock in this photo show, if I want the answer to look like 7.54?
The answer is 11.25
